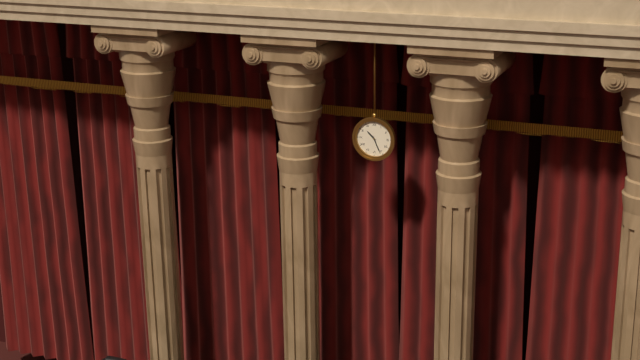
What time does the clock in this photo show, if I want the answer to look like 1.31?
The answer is 10.26
